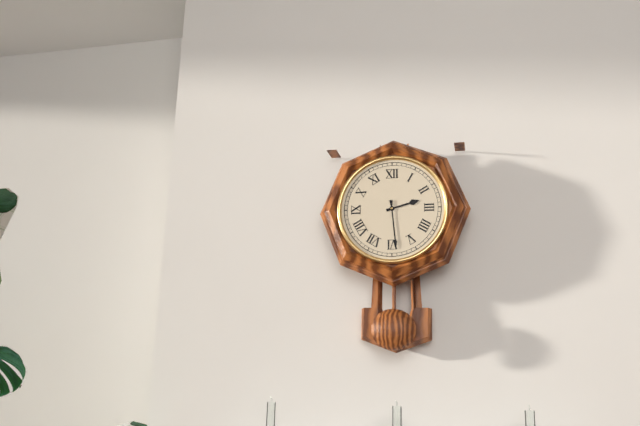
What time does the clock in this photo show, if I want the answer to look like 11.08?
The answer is 2.29
